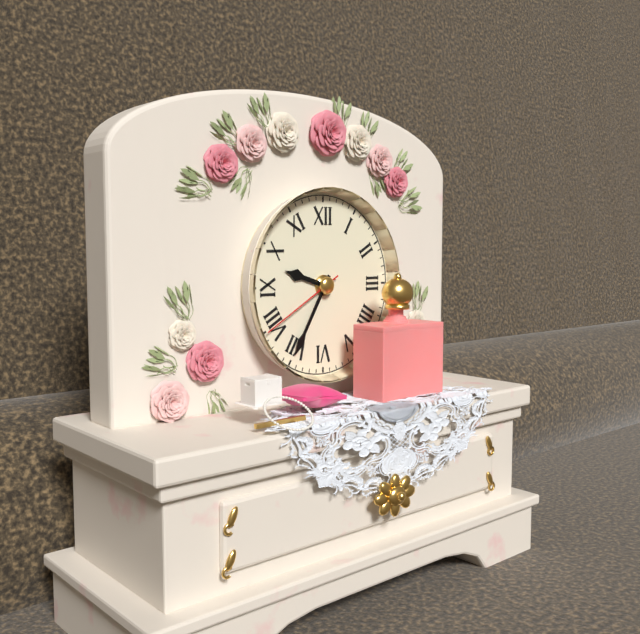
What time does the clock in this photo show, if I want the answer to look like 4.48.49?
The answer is 9.35.40
